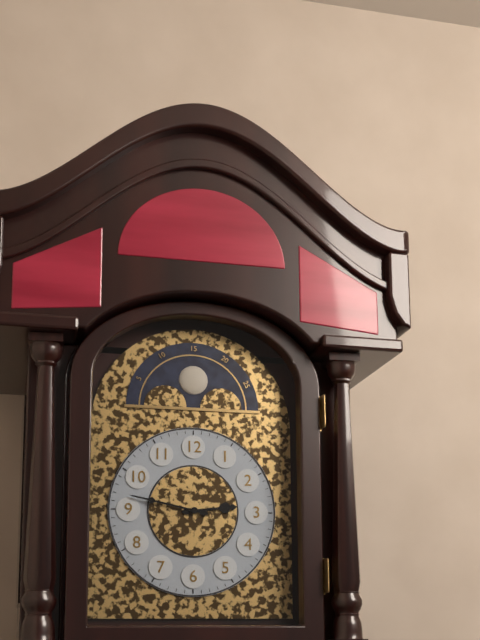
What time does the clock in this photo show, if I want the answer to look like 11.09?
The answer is 2.47
